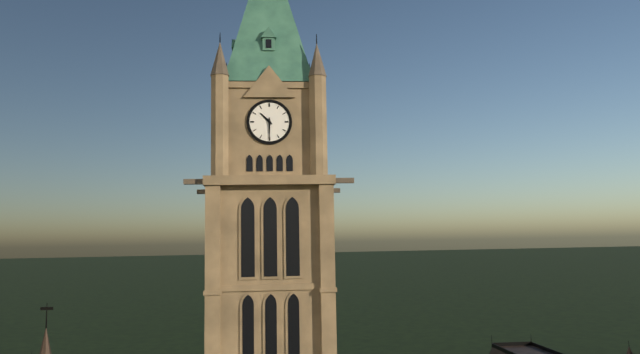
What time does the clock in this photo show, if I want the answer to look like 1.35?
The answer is 10.30
